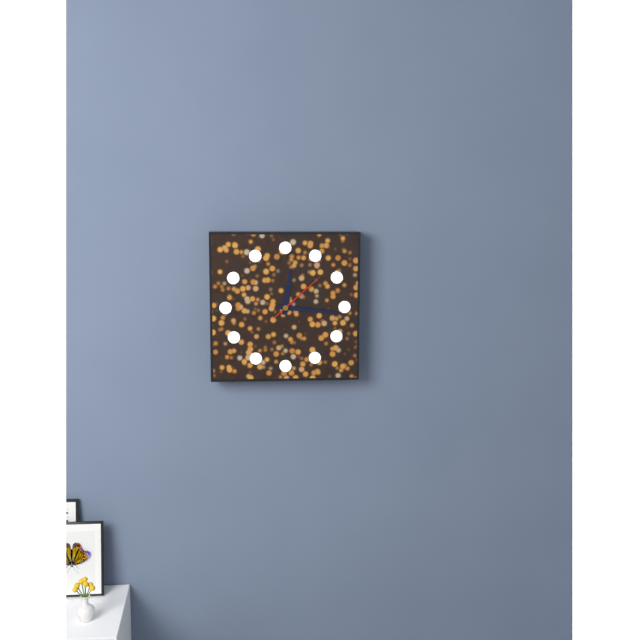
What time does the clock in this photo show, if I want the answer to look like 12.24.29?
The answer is 12.16.08
